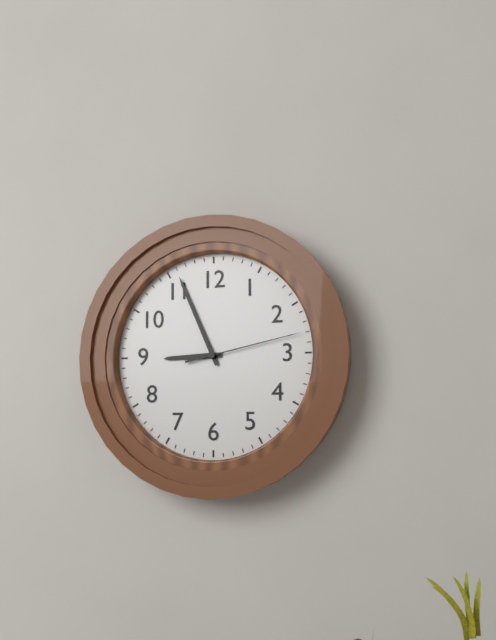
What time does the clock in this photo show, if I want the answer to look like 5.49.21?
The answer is 8.56.13
